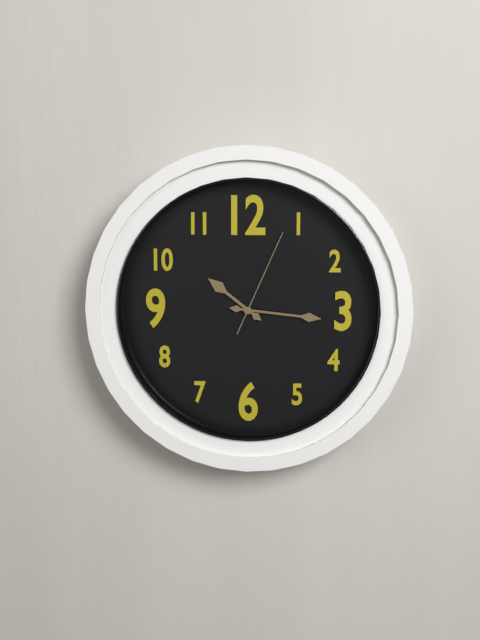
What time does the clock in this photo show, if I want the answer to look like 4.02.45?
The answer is 10.16.04
